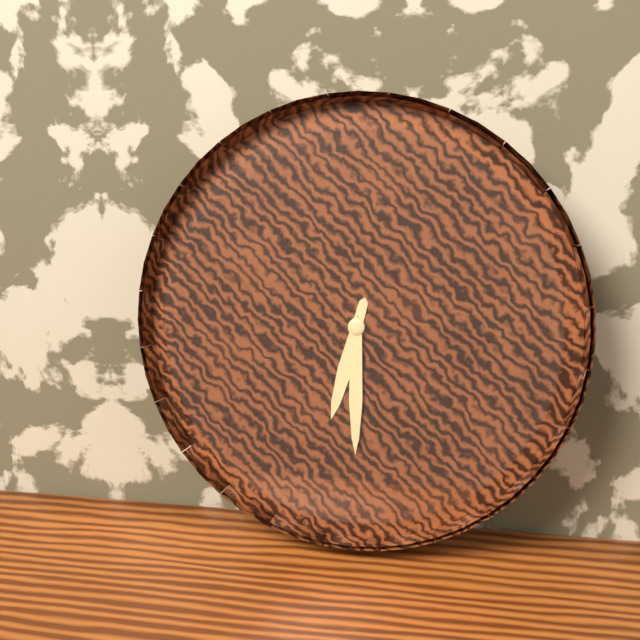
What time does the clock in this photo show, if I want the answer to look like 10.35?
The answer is 6.30
